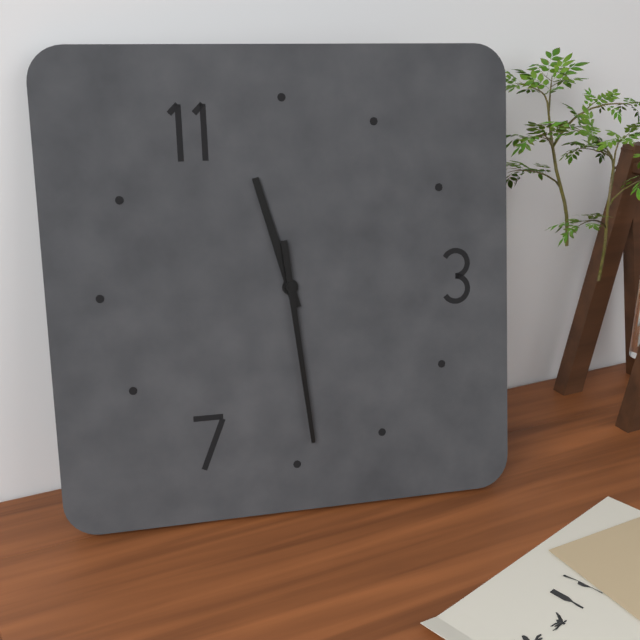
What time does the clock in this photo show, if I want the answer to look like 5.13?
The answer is 11.29
